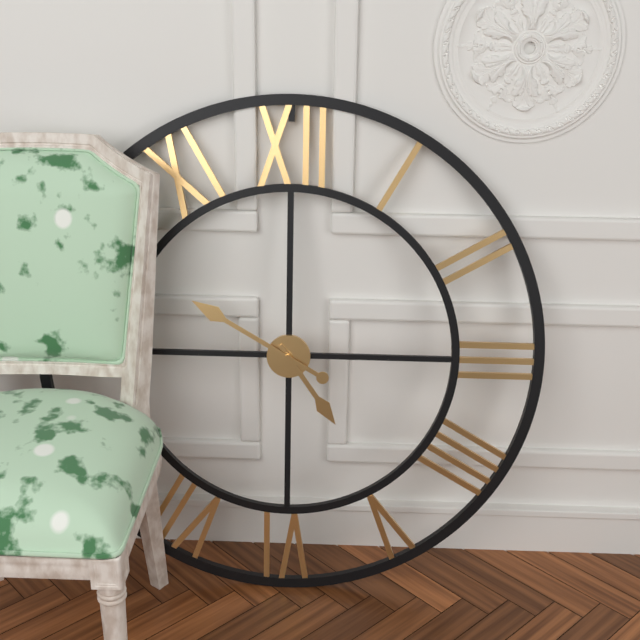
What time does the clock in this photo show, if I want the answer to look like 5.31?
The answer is 4.50
